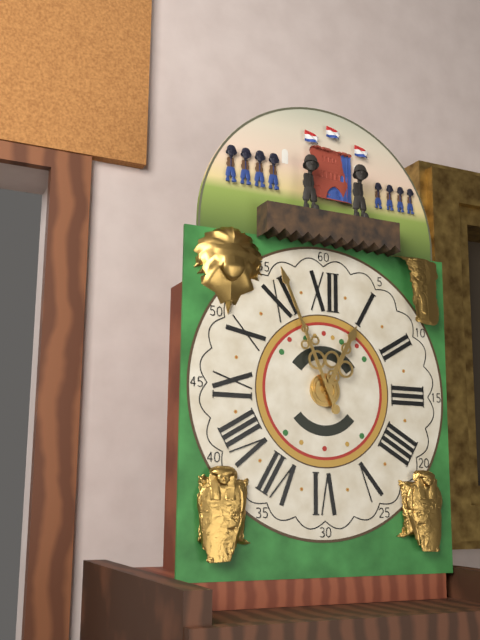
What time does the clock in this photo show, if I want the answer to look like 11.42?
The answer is 12.56
